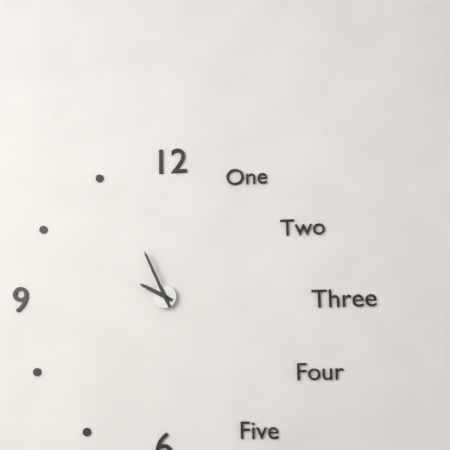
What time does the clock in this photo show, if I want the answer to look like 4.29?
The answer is 9.56
